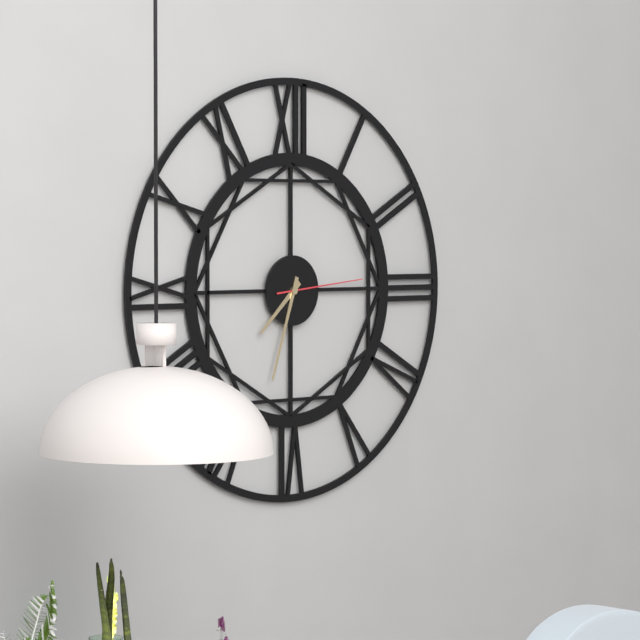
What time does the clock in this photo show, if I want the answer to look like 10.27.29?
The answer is 7.33.14
